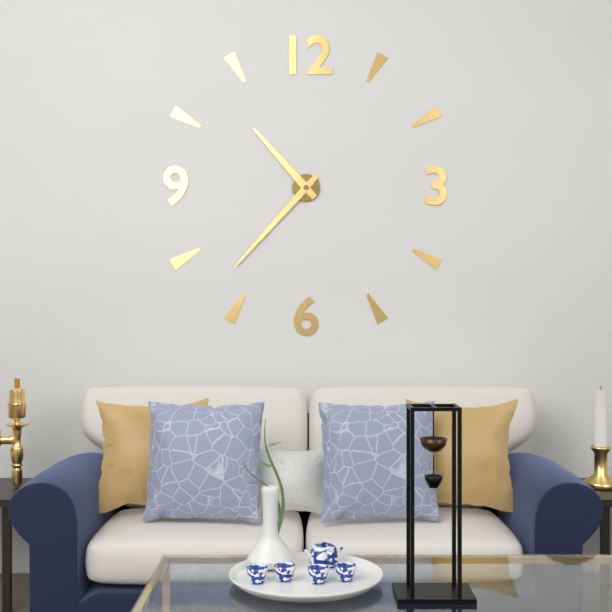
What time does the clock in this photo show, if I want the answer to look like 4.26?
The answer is 10.37
